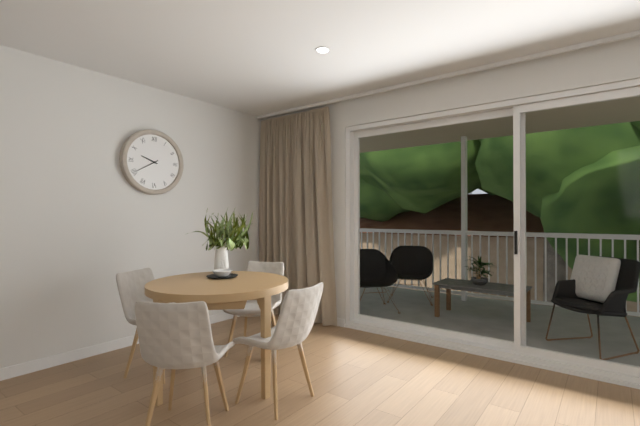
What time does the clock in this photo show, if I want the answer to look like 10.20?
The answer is 9.40
